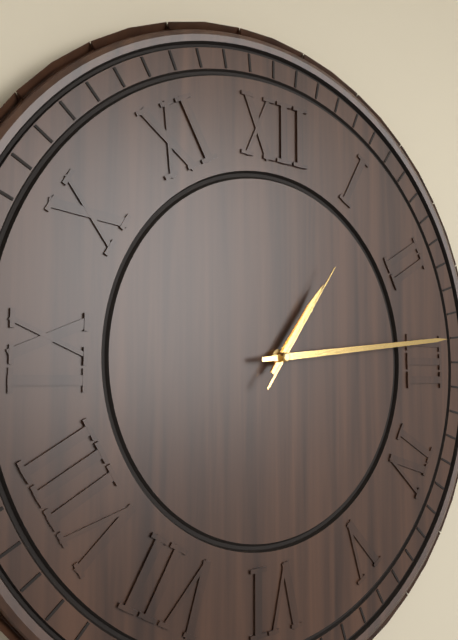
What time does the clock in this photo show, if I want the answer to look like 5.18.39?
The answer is 1.14.06
